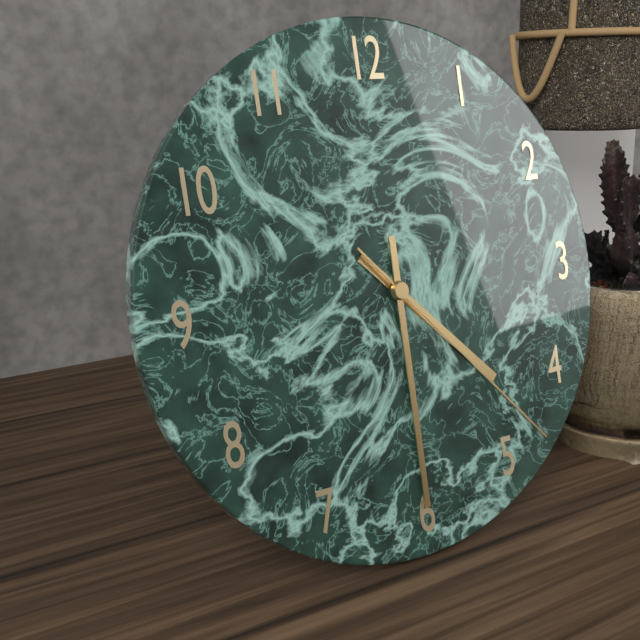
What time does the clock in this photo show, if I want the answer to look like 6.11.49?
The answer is 4.30.23
